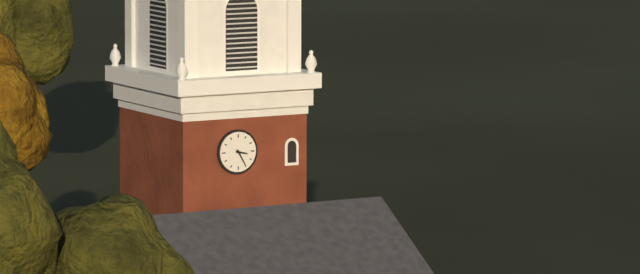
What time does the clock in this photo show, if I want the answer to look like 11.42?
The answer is 3.25
